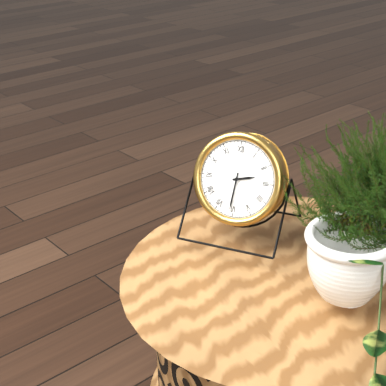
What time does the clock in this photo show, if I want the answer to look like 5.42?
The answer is 2.31
